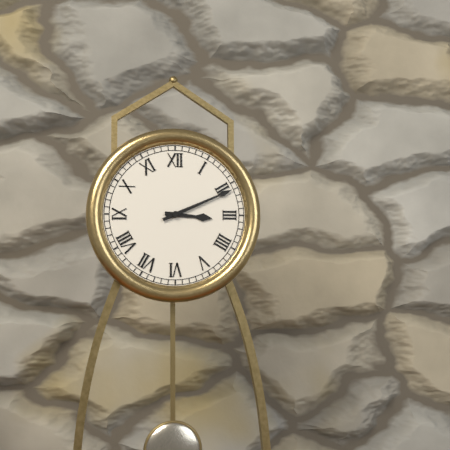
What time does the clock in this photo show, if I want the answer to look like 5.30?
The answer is 3.11
